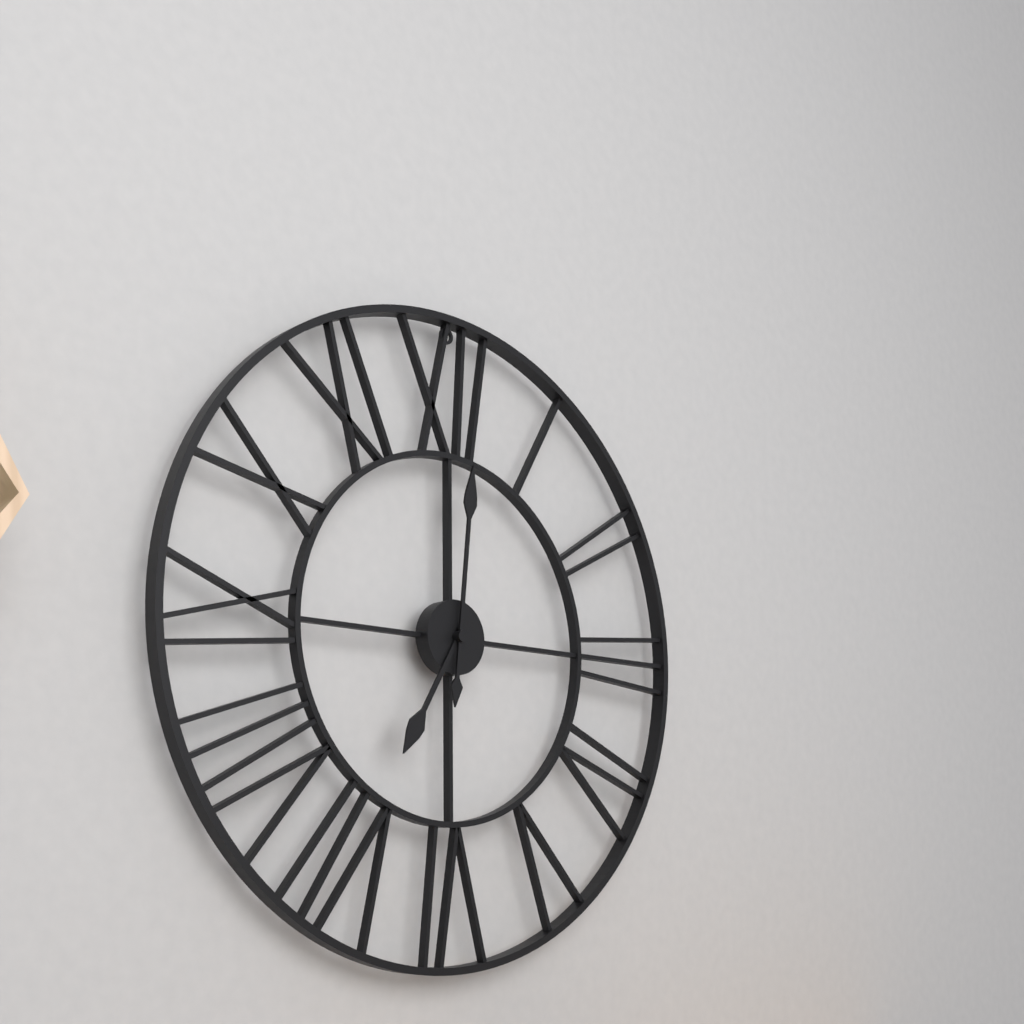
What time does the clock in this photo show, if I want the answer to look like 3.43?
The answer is 7.01
